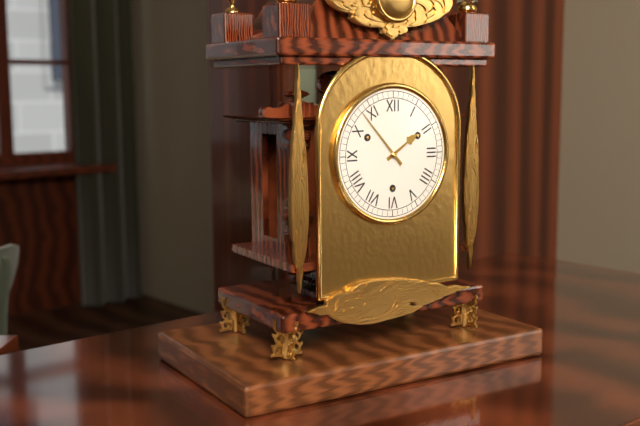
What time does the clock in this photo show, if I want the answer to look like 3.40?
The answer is 1.53
